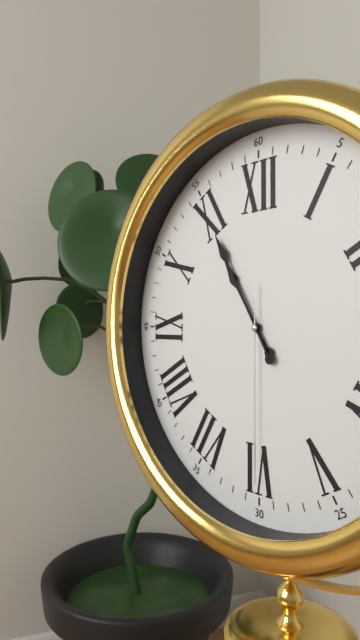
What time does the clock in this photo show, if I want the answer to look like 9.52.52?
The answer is 10.55.30
